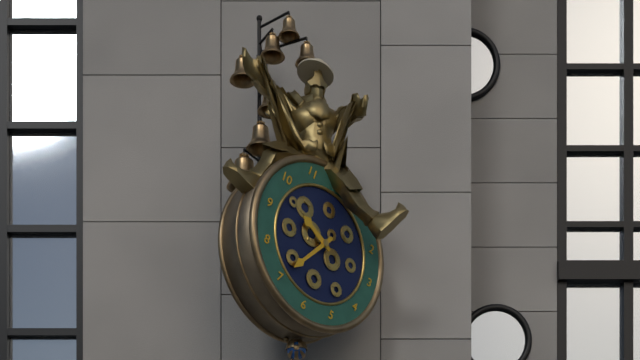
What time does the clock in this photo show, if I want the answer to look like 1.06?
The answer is 9.35
